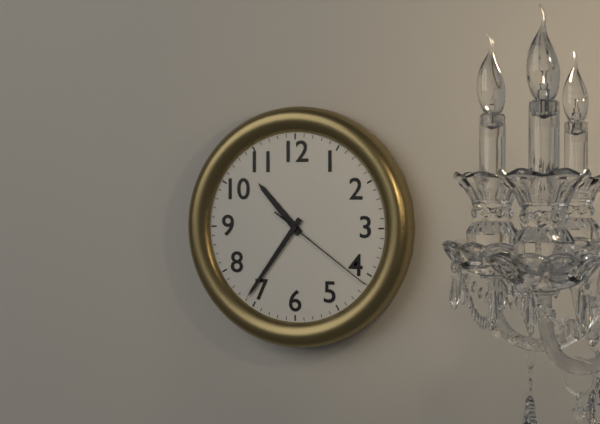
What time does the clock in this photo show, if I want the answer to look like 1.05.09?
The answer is 10.36.21
